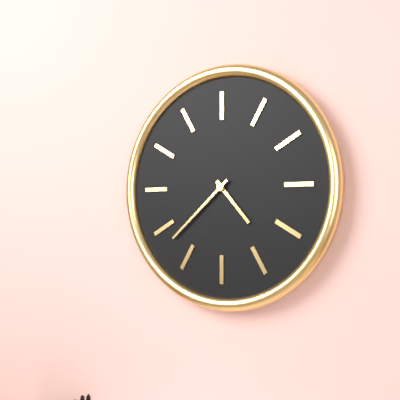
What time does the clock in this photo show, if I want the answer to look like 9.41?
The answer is 4.38
